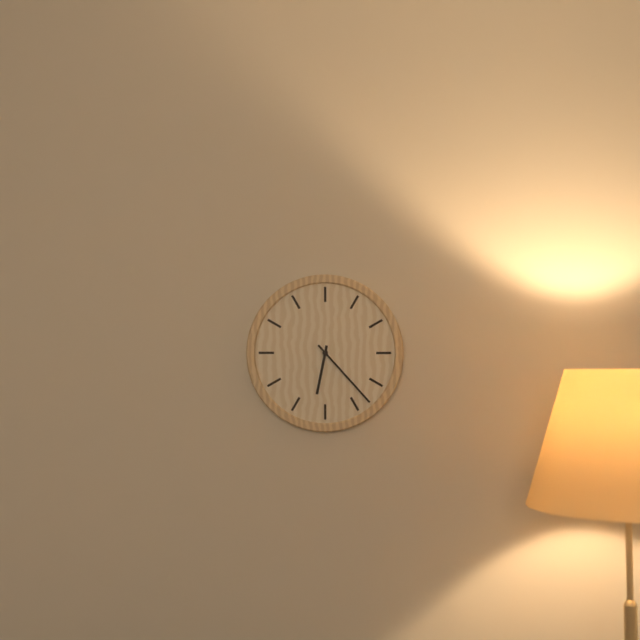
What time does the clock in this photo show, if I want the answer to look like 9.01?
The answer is 6.23
